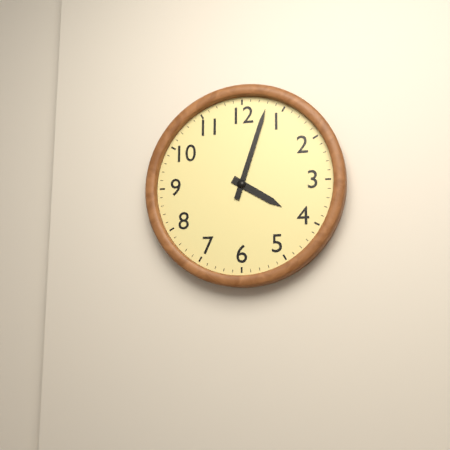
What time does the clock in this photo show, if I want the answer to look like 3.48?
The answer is 4.03
